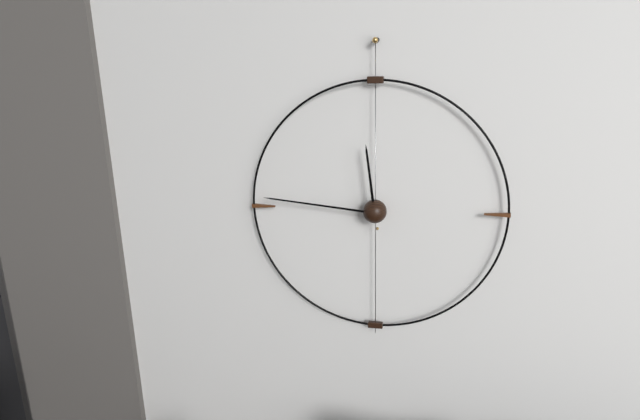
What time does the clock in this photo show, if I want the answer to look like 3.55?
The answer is 11.46
